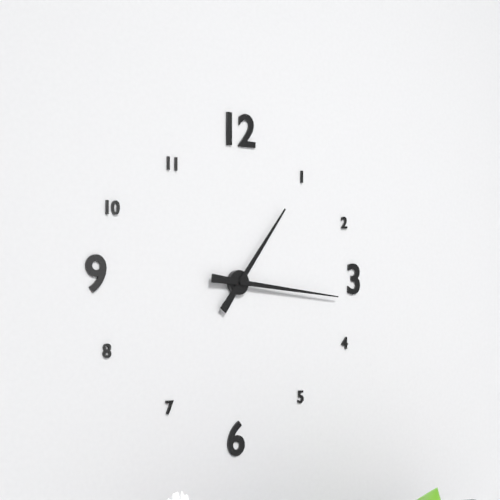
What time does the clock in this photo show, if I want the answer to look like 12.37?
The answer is 1.16
